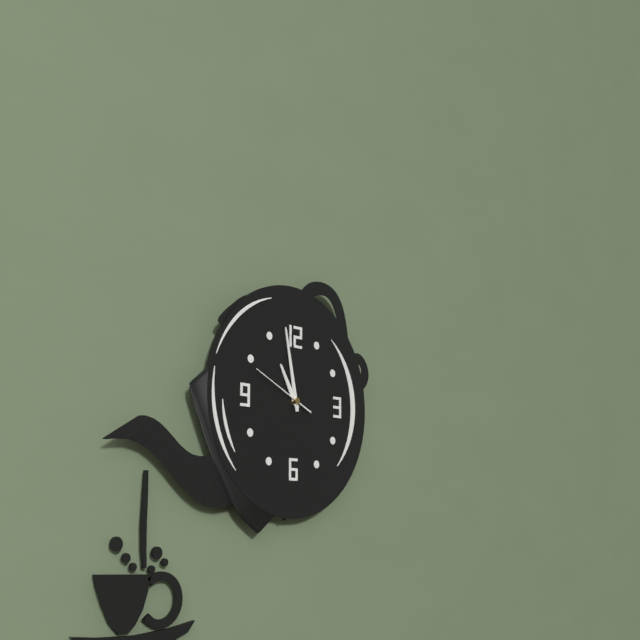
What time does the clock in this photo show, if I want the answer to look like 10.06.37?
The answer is 10.58.49
